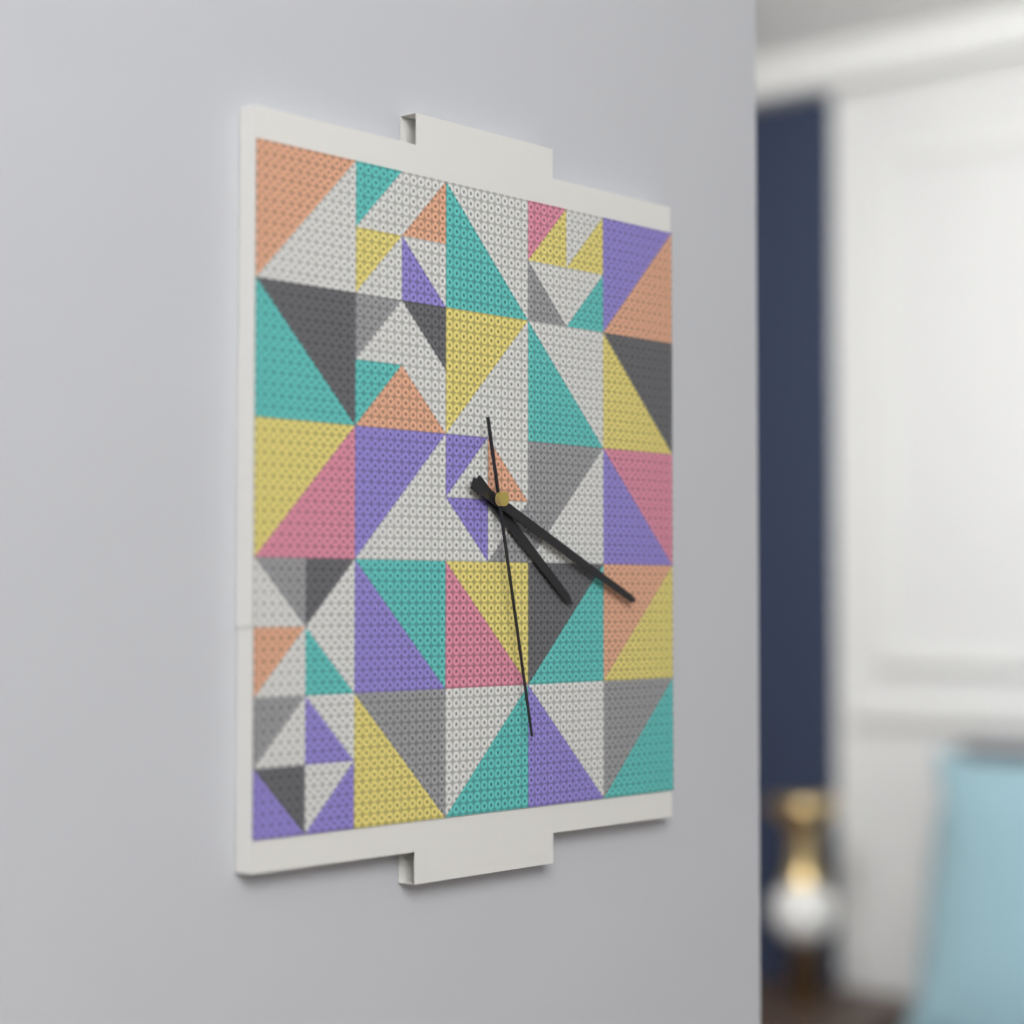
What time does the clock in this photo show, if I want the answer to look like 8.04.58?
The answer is 4.19.28
